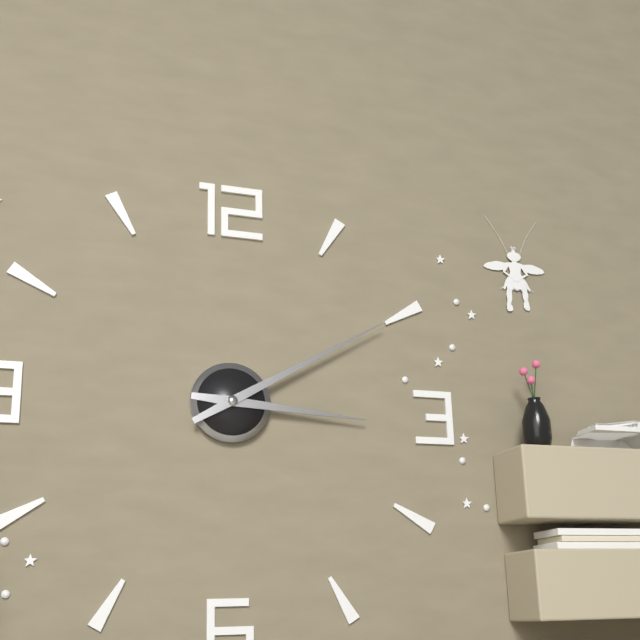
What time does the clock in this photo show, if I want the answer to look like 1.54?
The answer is 3.10
